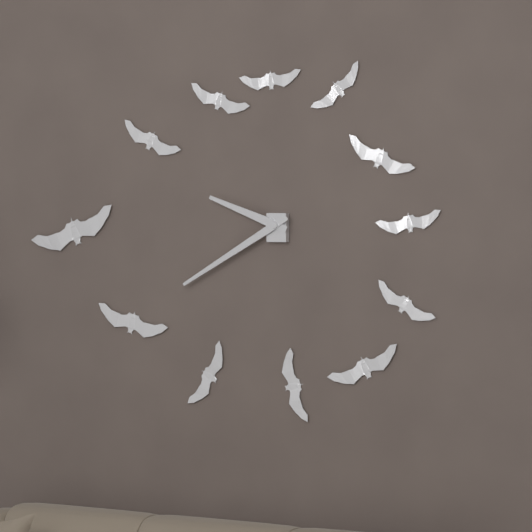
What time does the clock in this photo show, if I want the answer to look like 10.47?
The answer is 9.40
